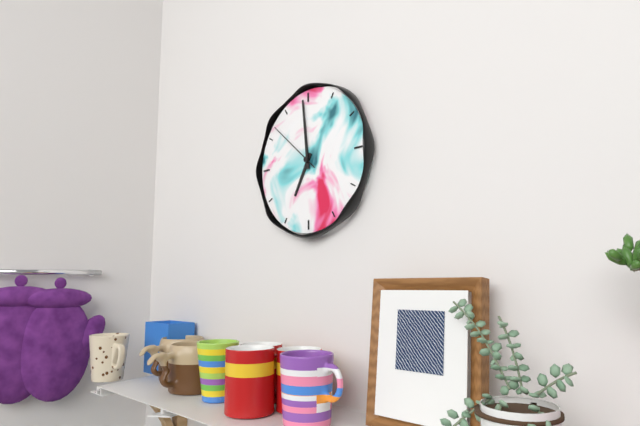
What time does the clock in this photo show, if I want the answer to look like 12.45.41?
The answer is 6.59.52
